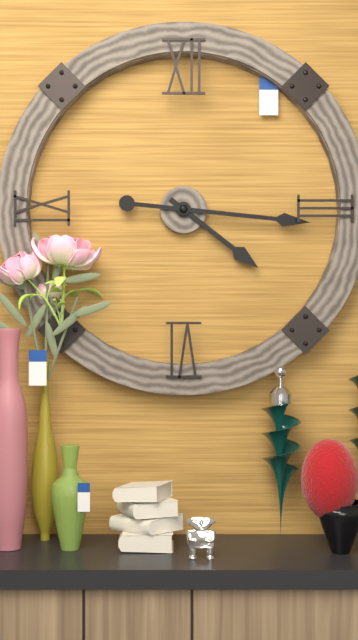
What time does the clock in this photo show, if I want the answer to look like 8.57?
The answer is 4.16
